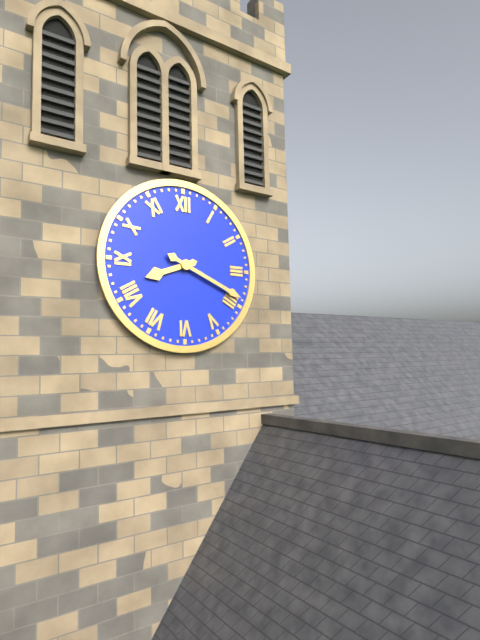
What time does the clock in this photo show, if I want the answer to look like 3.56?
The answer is 8.19
